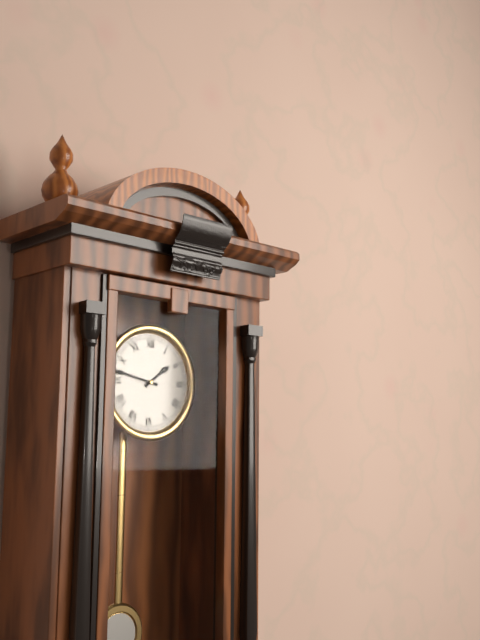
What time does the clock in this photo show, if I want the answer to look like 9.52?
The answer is 1.47
